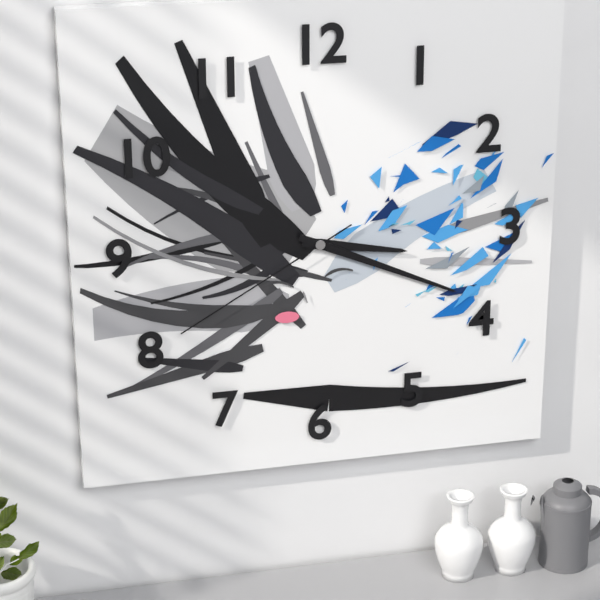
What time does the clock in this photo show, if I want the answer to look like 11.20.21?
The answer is 3.19.40
